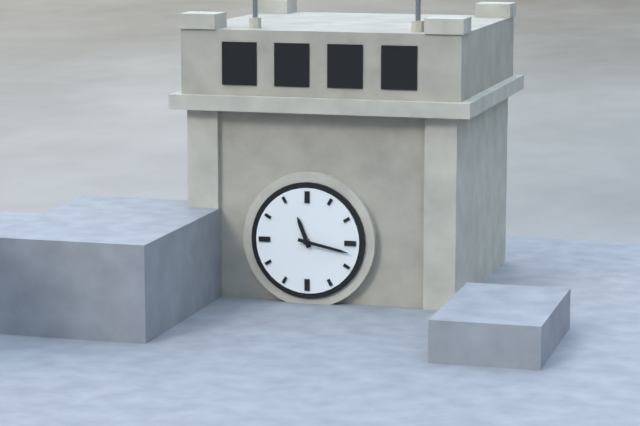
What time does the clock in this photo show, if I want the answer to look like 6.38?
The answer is 11.17
